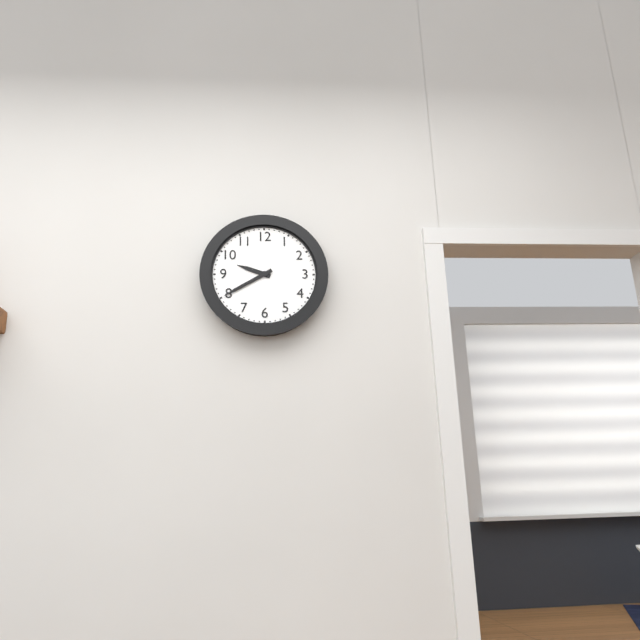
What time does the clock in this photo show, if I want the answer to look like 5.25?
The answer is 9.40
